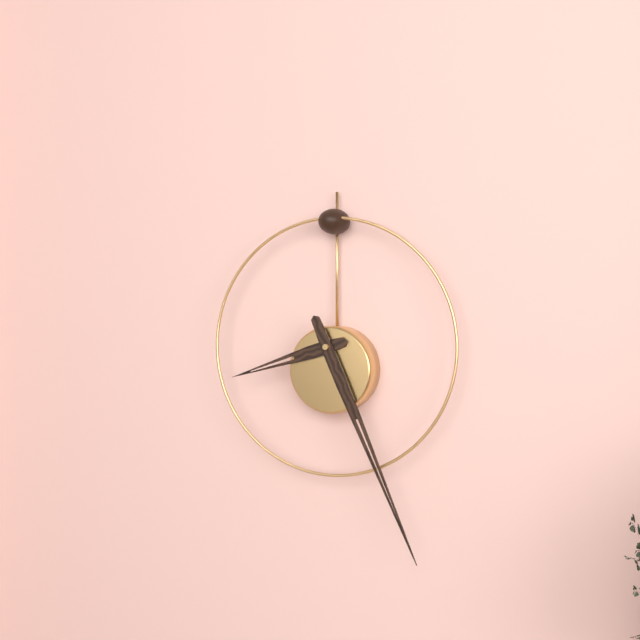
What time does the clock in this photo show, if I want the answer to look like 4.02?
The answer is 8.26
